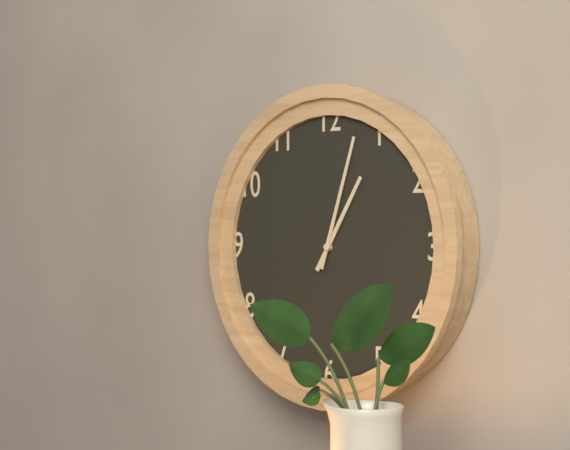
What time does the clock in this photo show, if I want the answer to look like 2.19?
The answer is 1.03
